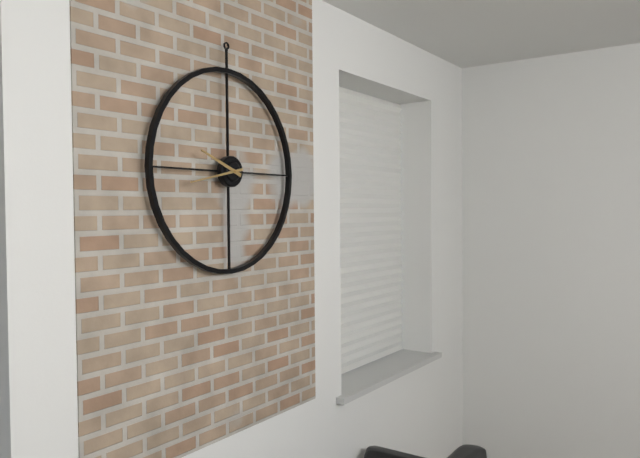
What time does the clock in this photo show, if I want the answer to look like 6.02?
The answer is 9.43
